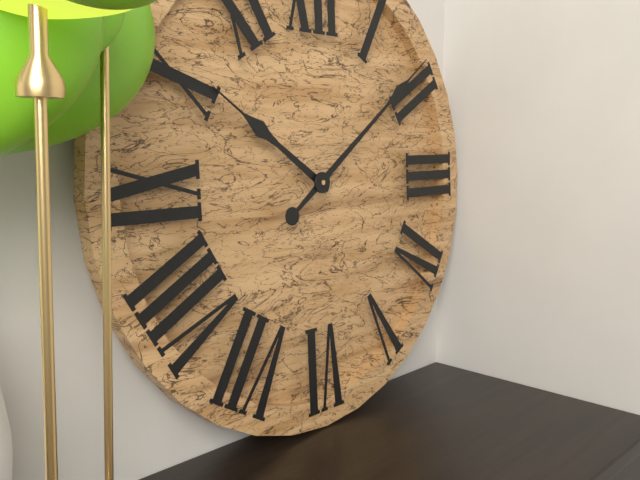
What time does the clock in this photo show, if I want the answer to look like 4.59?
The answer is 10.09
